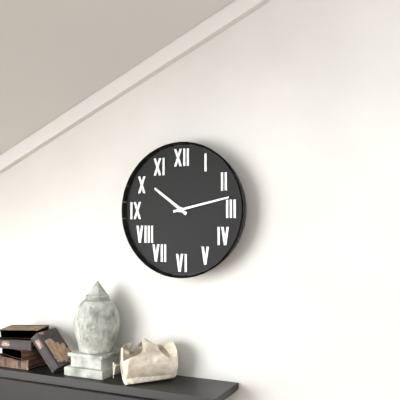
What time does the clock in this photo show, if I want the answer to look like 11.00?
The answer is 10.13
